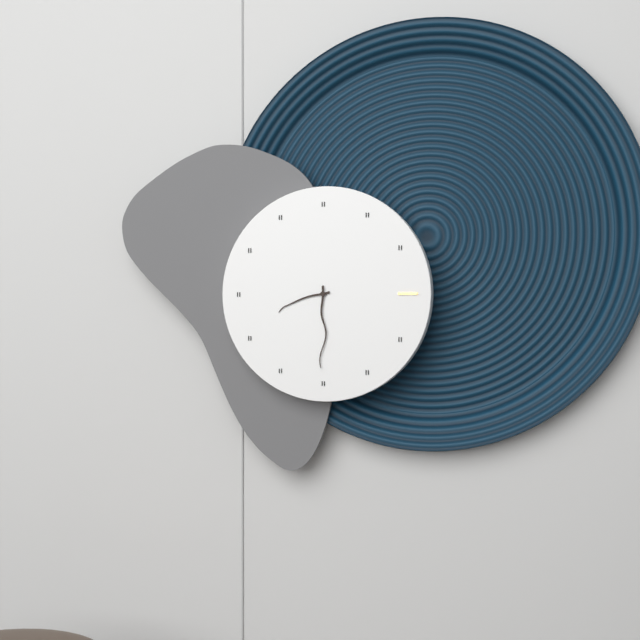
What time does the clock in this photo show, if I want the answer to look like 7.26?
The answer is 8.30
